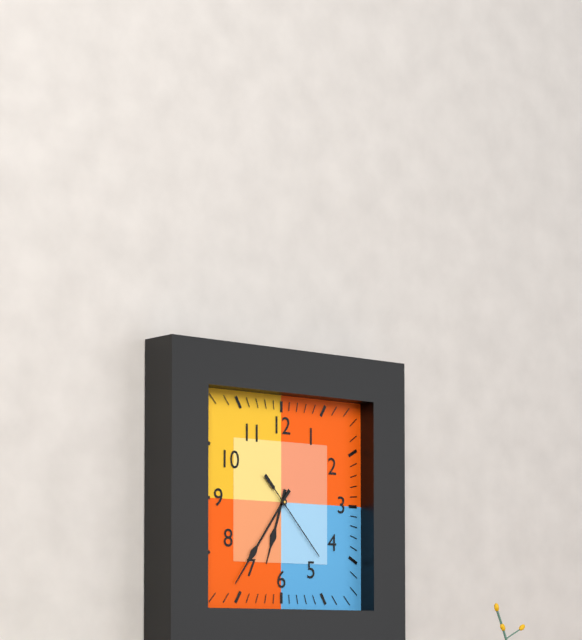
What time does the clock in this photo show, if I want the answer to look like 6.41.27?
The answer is 6.36.23
